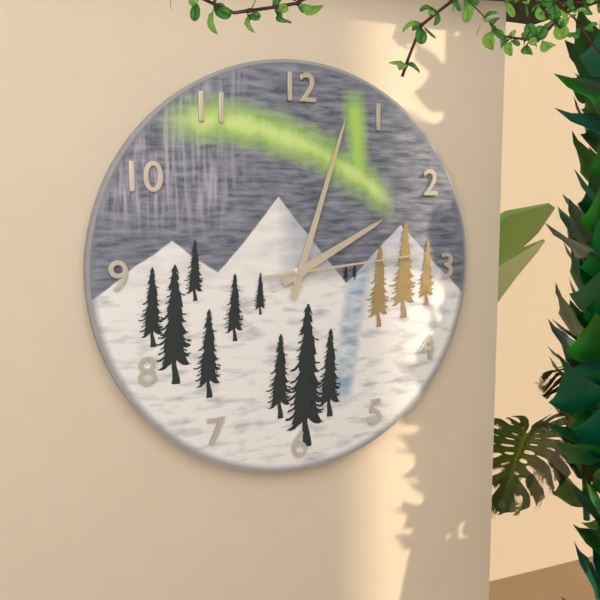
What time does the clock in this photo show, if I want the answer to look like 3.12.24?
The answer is 2.03.14
